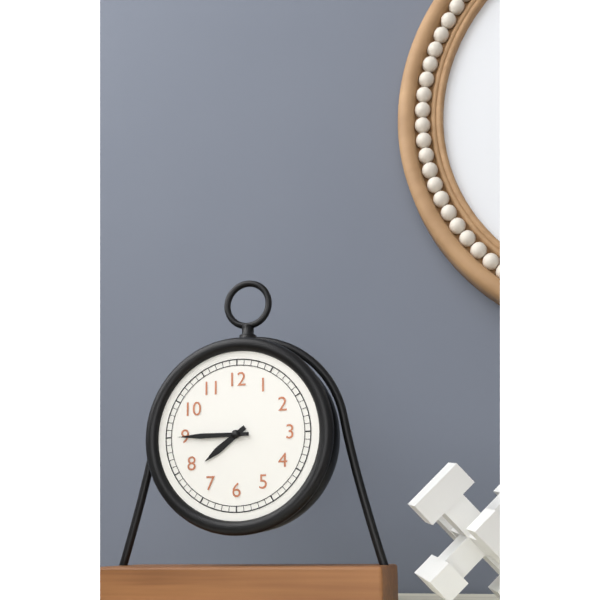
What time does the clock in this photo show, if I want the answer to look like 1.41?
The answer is 7.45
